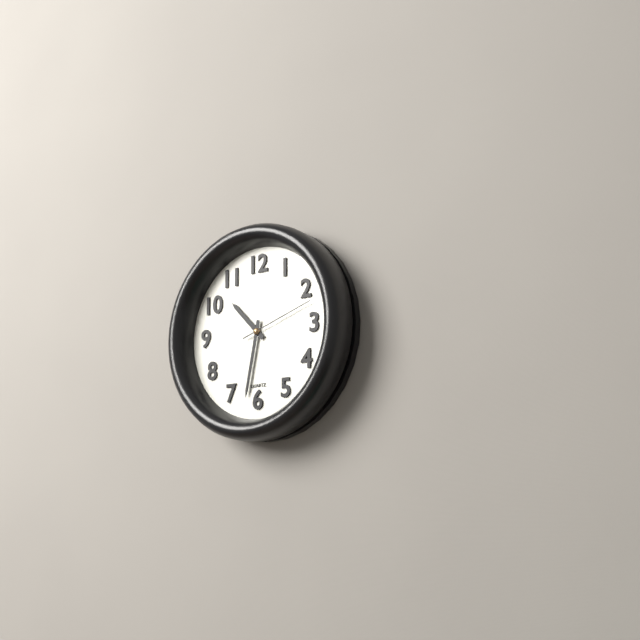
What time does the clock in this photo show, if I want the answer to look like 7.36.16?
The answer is 10.32.12
